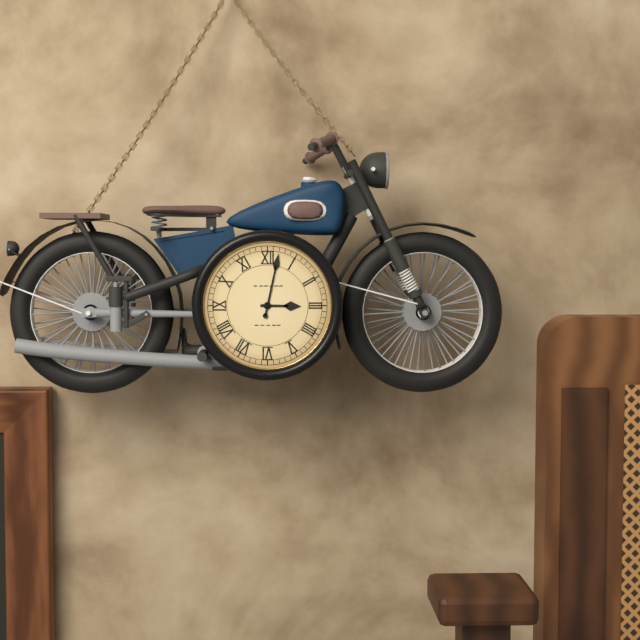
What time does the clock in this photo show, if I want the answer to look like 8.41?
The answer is 3.02
